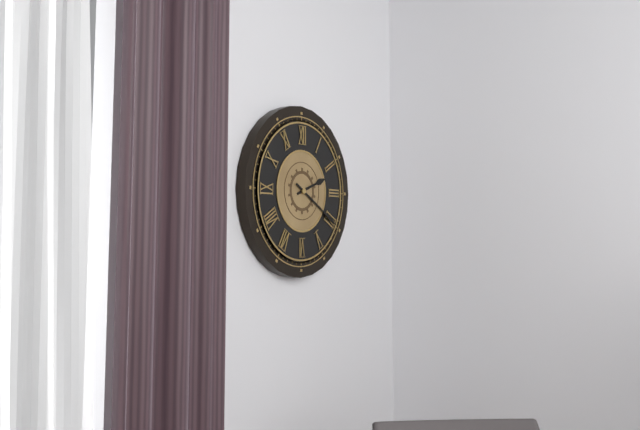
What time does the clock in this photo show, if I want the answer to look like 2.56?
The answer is 2.20
